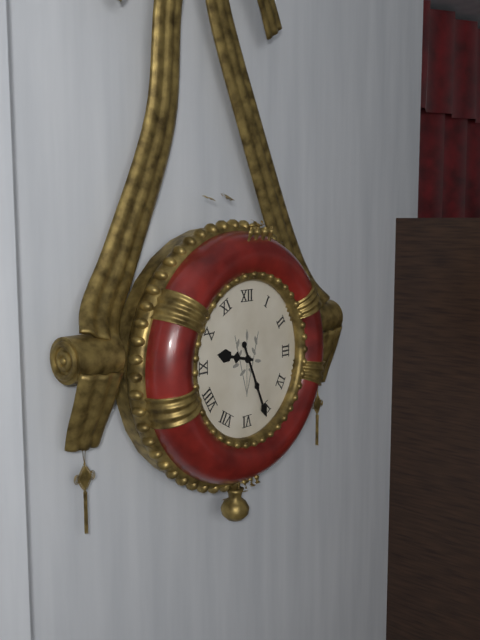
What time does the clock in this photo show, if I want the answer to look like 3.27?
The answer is 9.26
